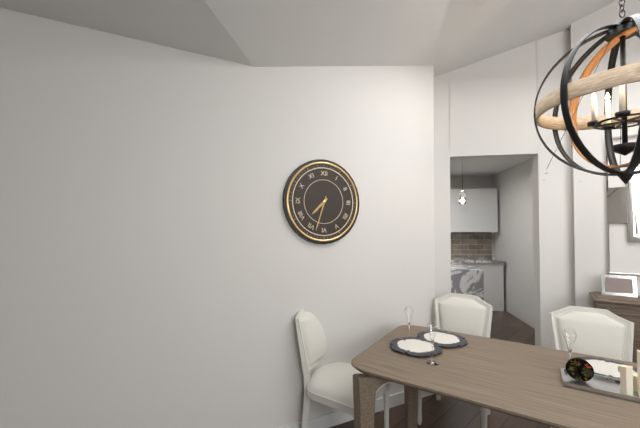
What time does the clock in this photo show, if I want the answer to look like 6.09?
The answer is 7.33
